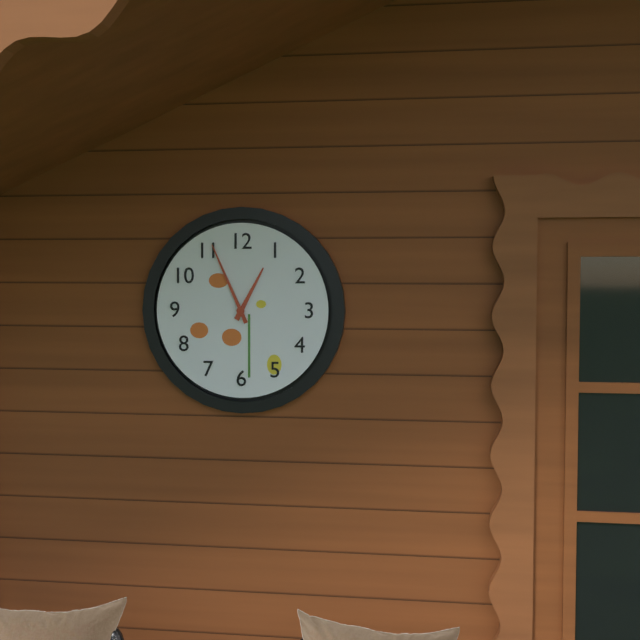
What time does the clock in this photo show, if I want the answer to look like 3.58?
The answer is 12.56
